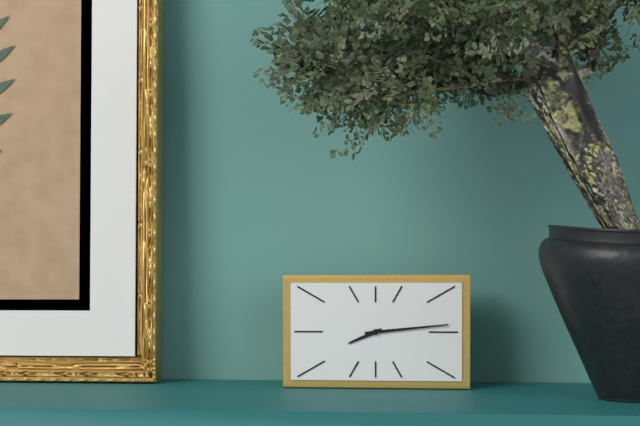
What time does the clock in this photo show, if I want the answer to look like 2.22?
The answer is 8.14
